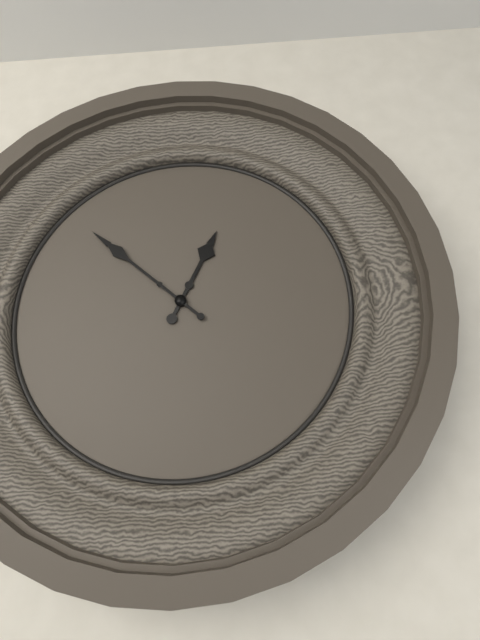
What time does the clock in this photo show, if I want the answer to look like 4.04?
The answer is 12.52
